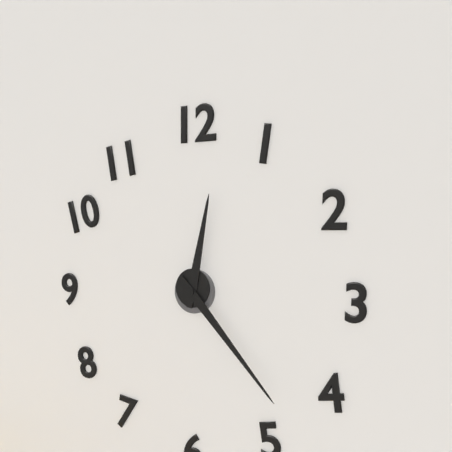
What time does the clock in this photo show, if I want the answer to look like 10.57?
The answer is 12.23
